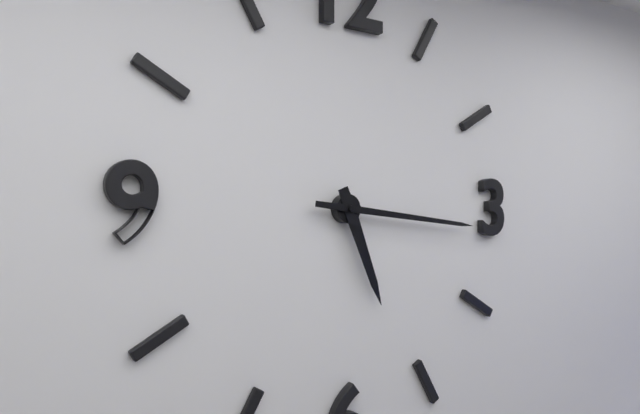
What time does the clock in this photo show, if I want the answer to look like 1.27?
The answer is 5.16
